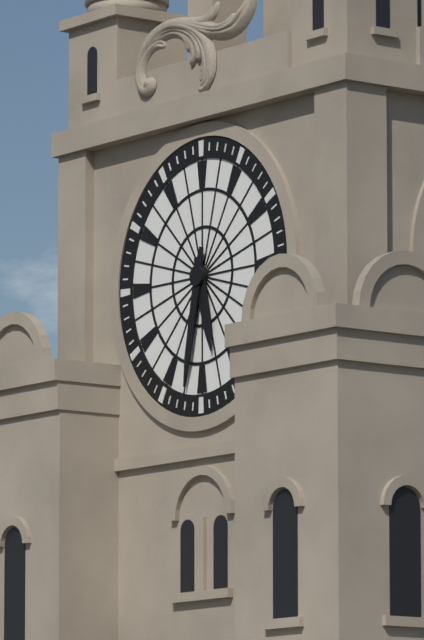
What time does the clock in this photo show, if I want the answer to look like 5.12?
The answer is 5.32
